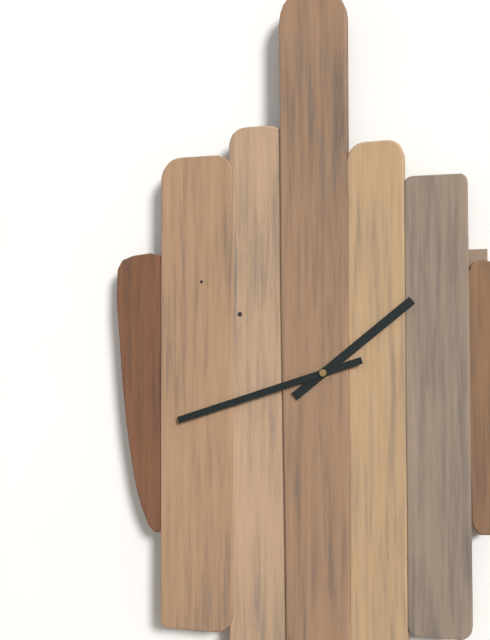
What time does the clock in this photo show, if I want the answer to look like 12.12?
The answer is 1.42
